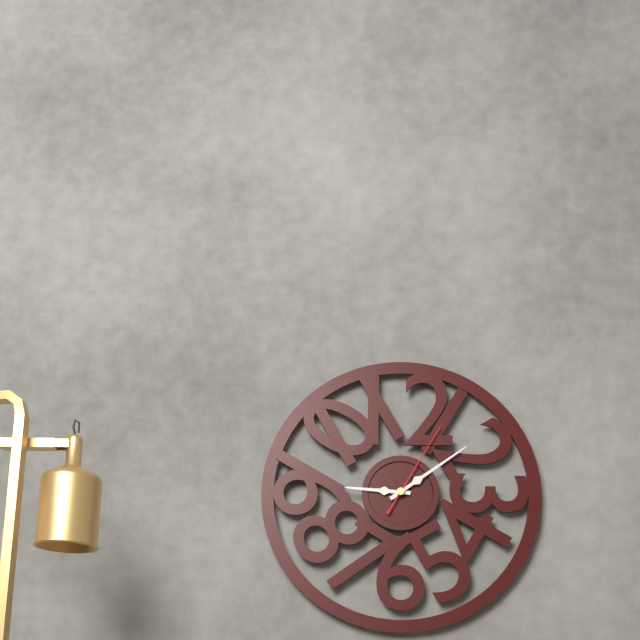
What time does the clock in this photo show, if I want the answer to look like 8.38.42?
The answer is 9.09.05
